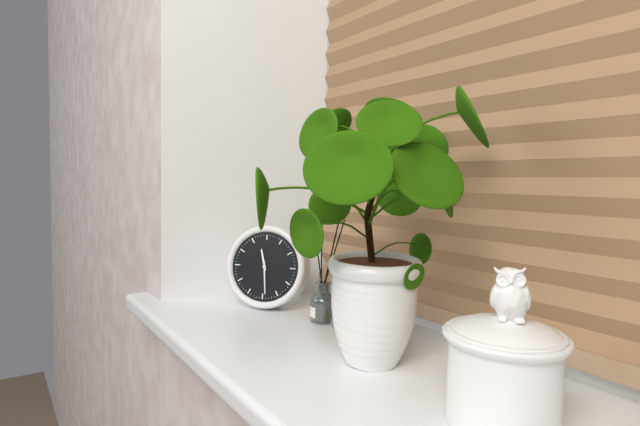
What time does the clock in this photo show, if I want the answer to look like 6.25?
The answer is 11.29
